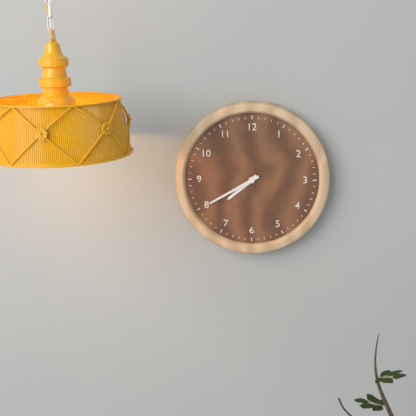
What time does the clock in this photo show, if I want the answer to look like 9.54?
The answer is 7.40
